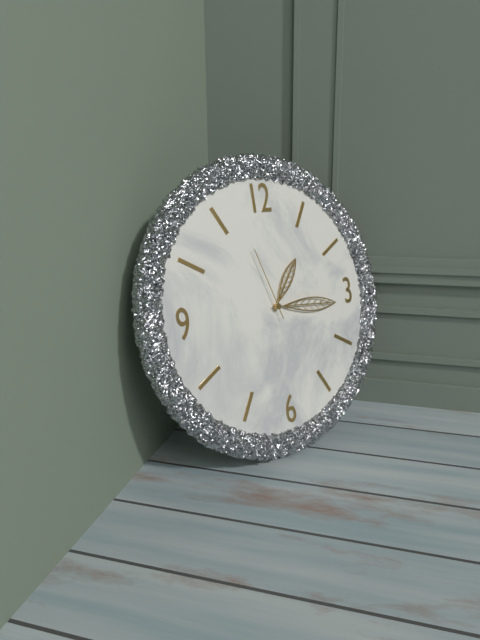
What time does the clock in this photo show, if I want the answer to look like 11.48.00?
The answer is 1.16.57
